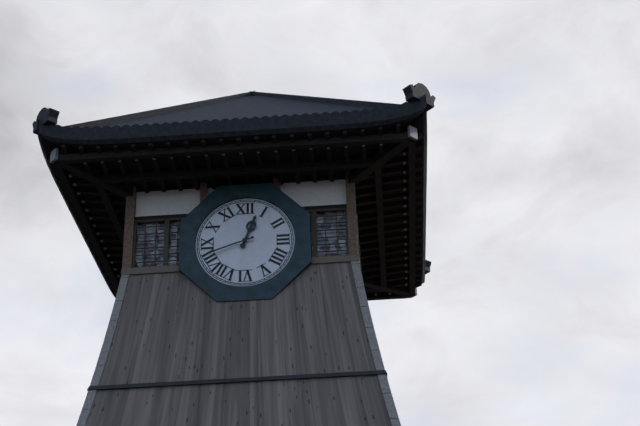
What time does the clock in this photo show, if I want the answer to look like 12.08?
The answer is 12.42
